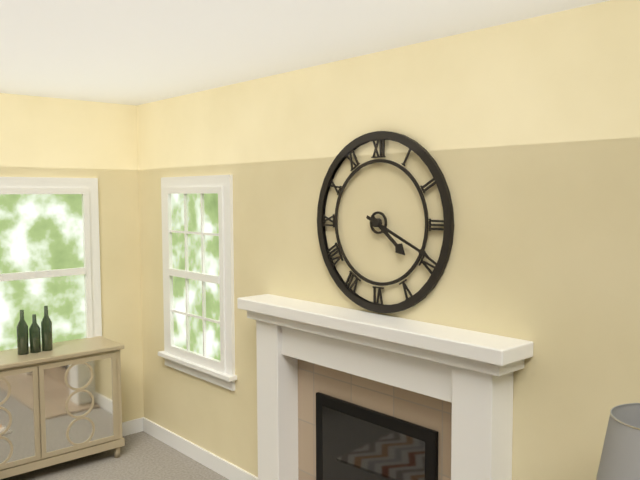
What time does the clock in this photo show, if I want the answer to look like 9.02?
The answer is 4.19
